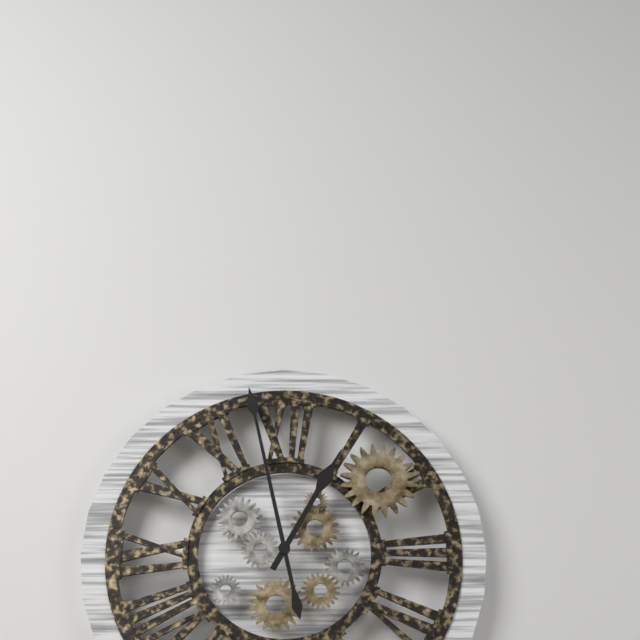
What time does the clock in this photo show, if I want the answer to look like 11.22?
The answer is 12.58
